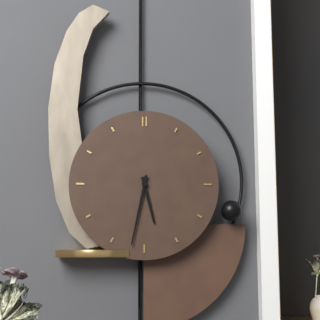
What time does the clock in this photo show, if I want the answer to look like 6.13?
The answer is 5.32
